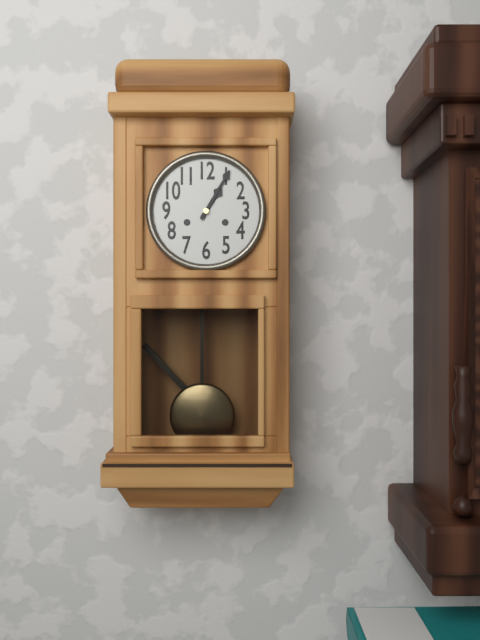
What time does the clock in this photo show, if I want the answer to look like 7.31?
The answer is 1.05
